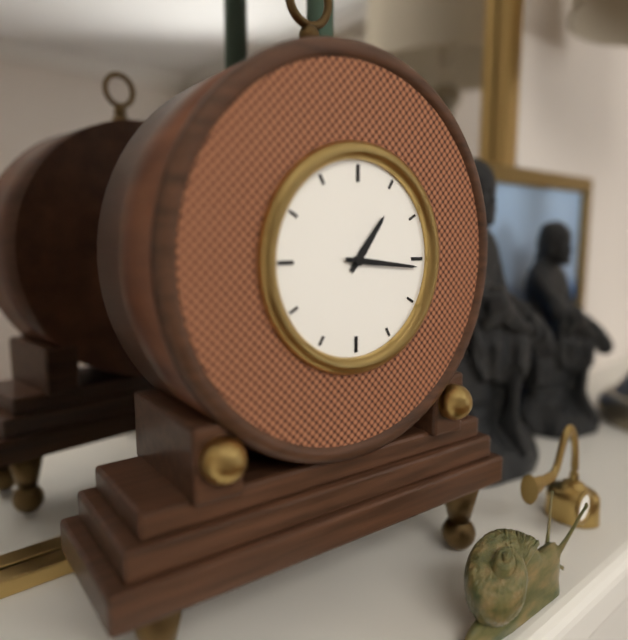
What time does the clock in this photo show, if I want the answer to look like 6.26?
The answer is 1.16
